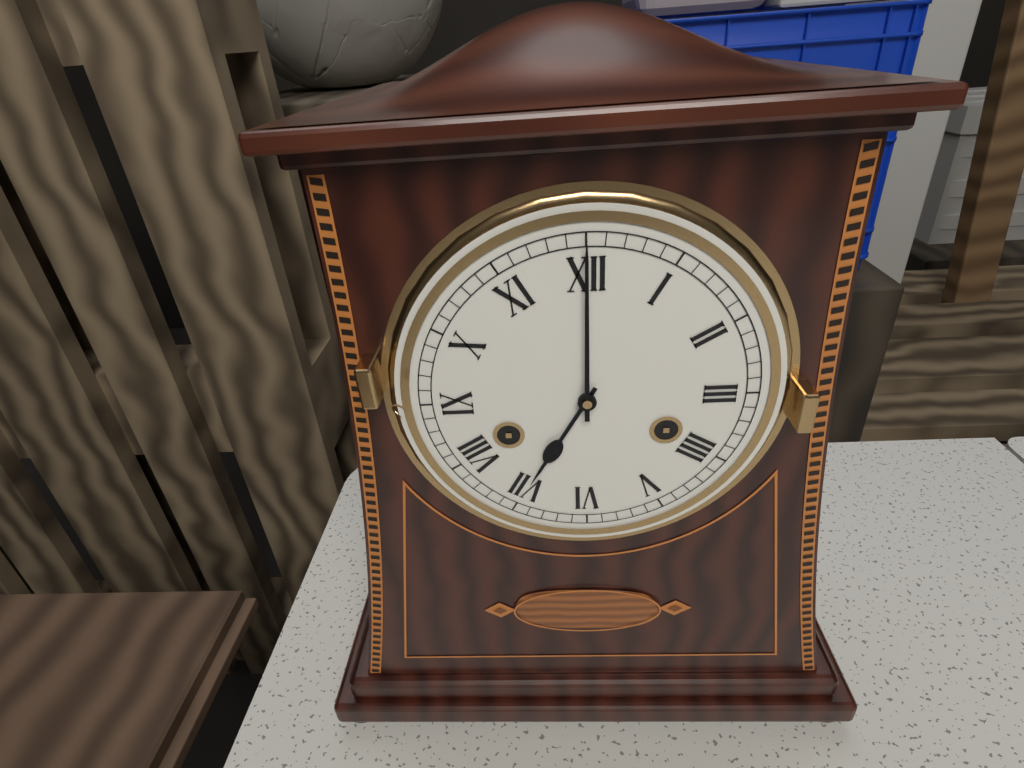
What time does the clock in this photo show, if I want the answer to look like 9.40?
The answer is 7.00
